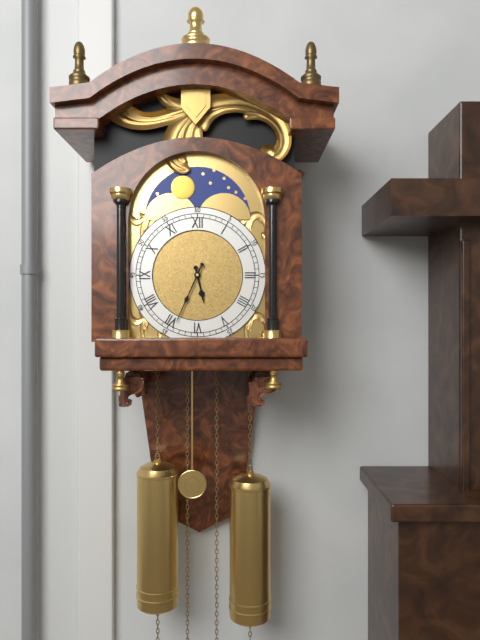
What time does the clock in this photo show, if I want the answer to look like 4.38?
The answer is 5.34
